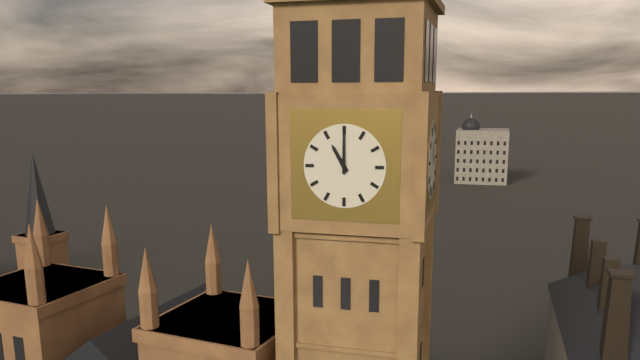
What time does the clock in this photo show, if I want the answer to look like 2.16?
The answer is 11.00
